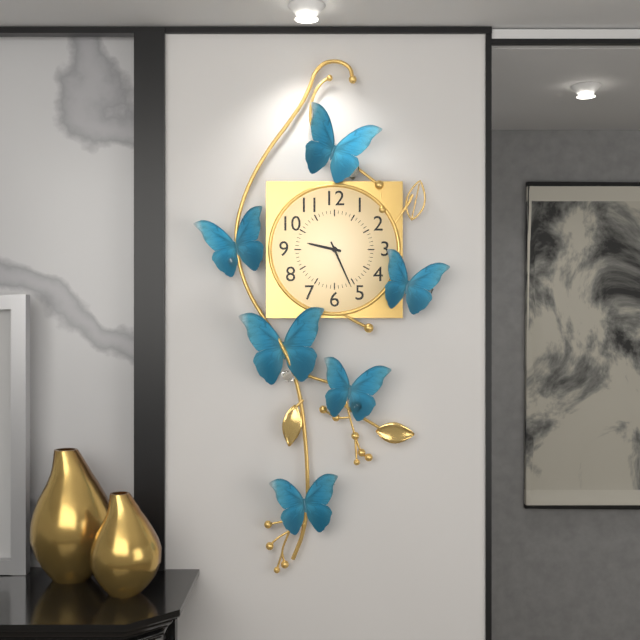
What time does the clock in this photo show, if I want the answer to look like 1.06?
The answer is 9.26
